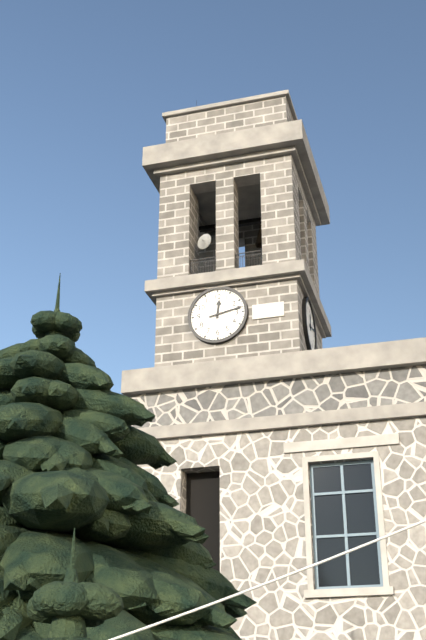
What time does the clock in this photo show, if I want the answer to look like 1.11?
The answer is 12.13
